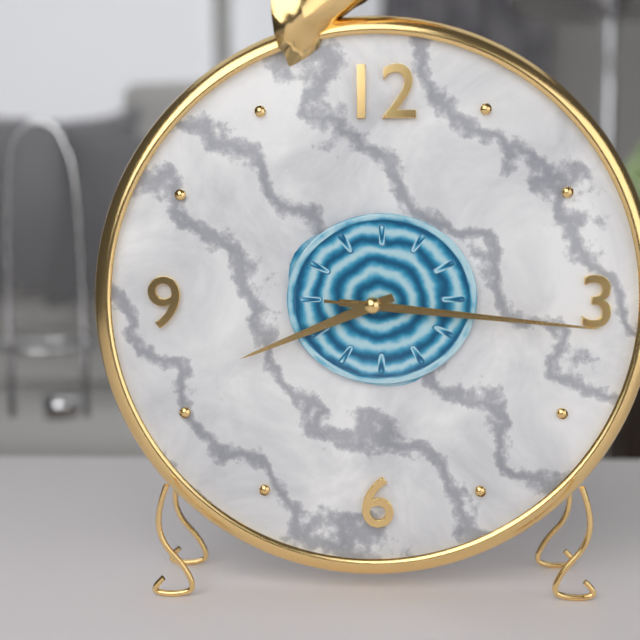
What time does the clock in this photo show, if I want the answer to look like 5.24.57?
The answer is 8.16.16
